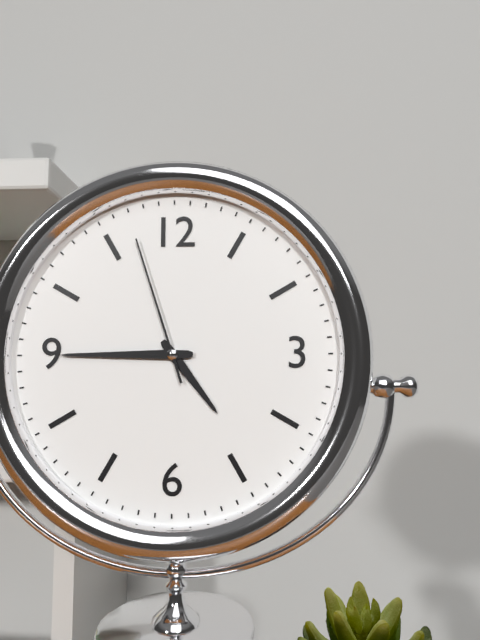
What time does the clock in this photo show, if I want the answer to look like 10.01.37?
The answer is 4.45.57
